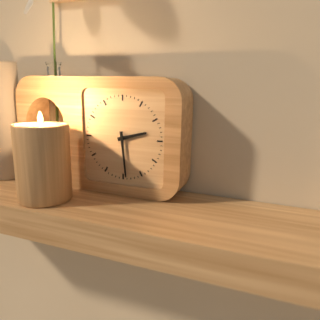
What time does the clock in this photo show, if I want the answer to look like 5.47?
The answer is 2.29
